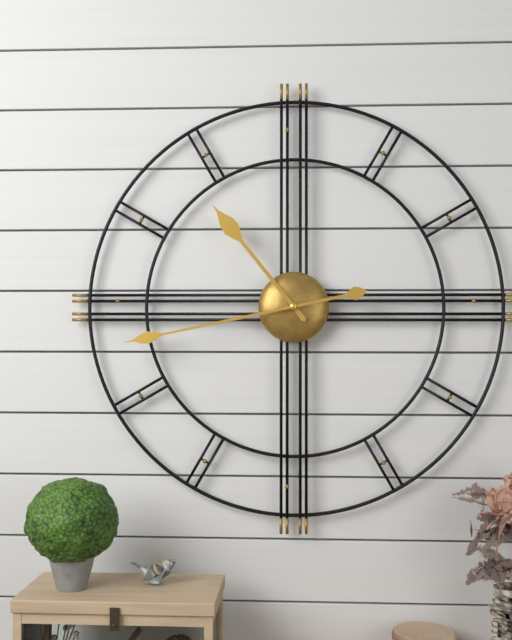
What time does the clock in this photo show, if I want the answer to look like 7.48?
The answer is 10.43
